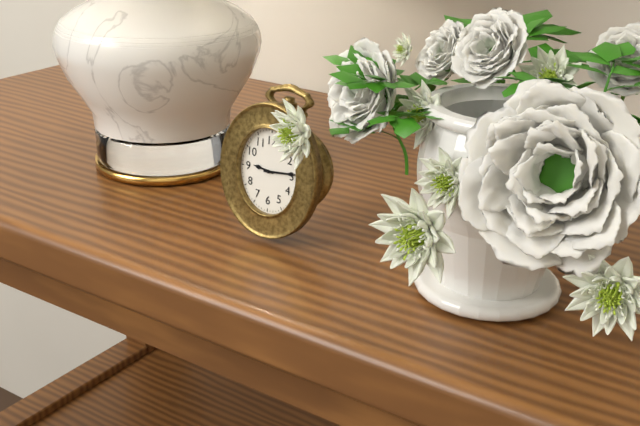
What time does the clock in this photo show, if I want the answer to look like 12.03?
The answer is 9.14
